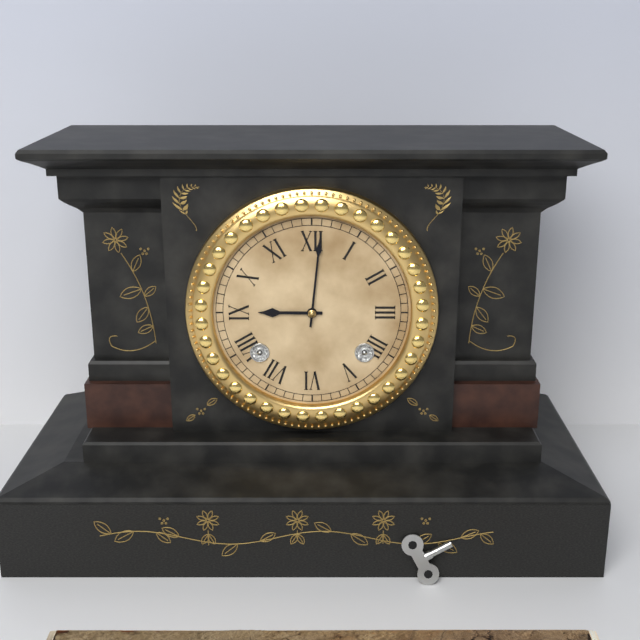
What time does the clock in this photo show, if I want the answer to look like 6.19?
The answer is 9.01
